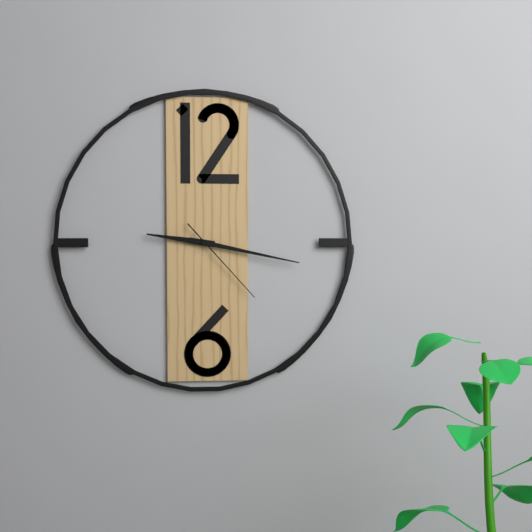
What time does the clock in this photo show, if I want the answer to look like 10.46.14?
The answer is 9.17.23
